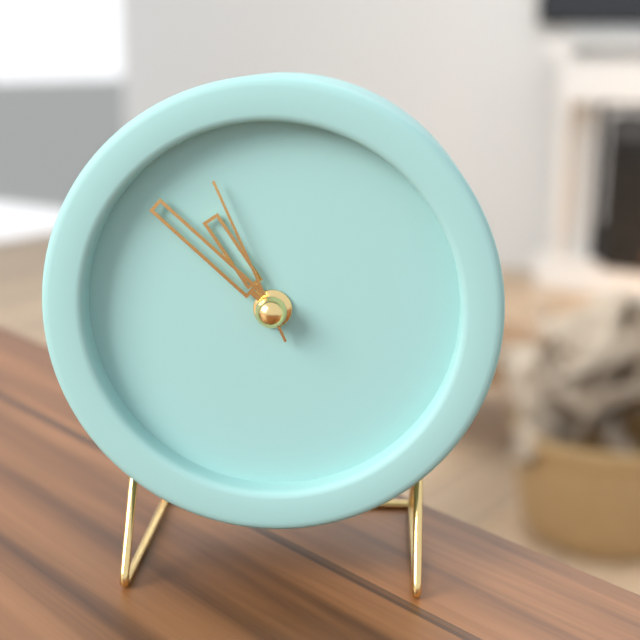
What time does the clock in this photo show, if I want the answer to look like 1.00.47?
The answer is 10.52.56
